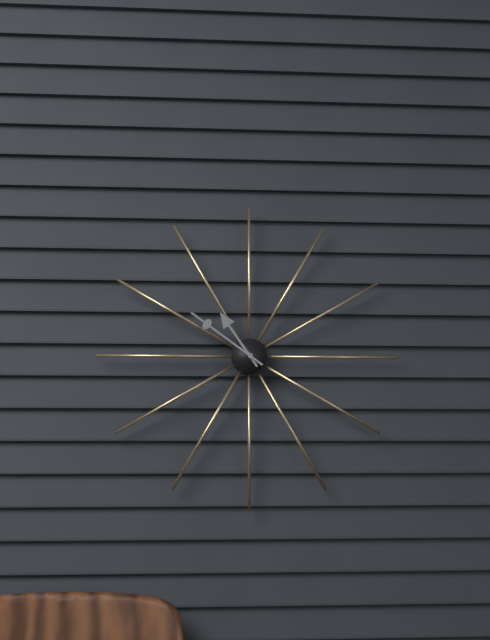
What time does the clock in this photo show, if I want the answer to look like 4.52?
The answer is 10.51
